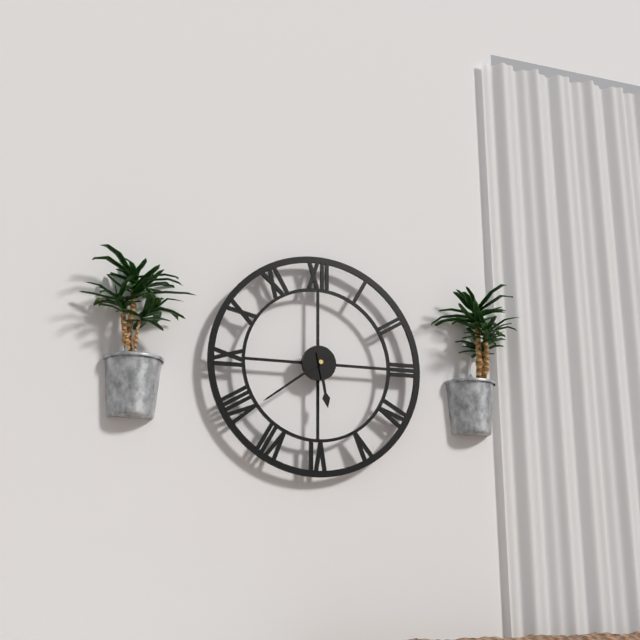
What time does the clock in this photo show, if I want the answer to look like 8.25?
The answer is 5.39
